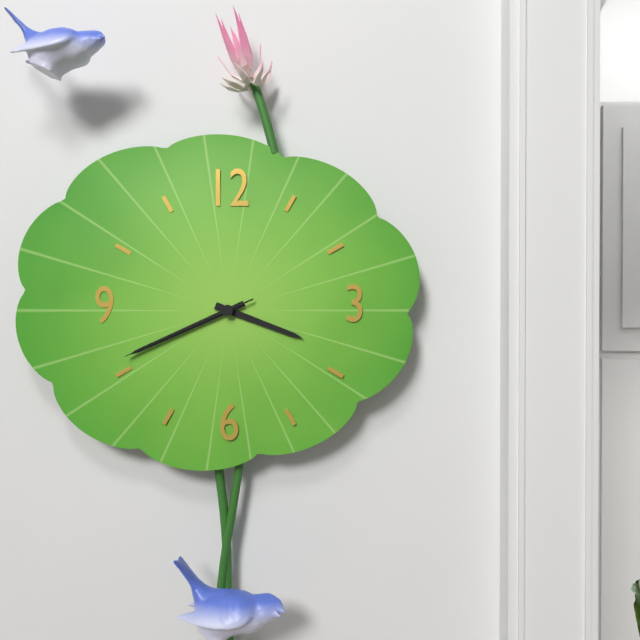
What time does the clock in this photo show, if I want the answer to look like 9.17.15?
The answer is 3.41.41
